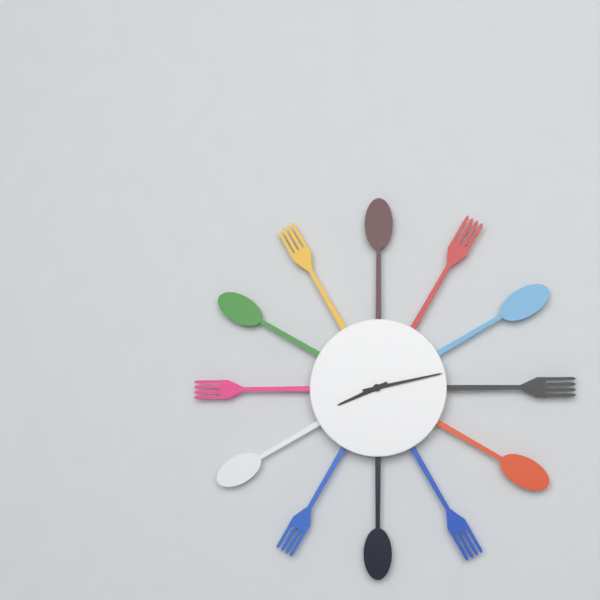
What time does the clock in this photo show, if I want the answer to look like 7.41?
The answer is 8.13
